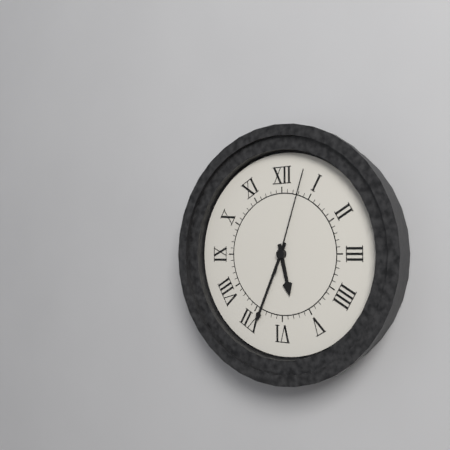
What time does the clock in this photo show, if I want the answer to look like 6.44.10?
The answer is 5.34.03
